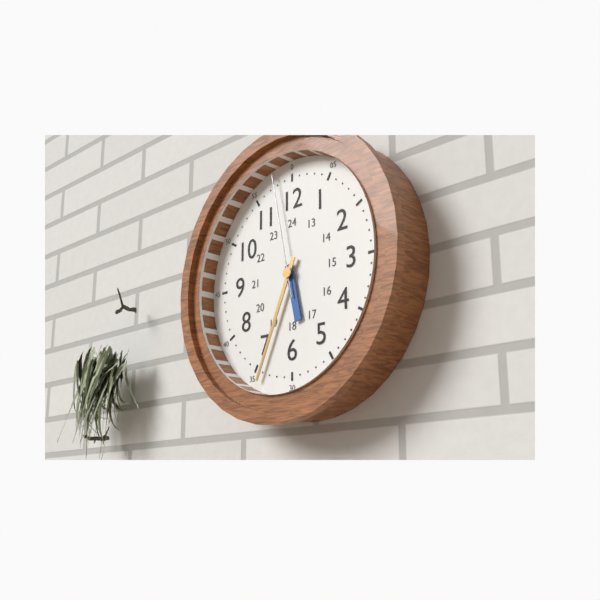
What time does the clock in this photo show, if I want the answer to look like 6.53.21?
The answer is 5.34.58
